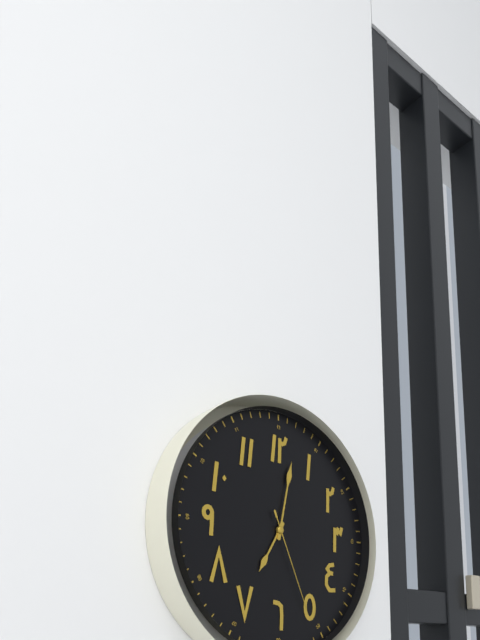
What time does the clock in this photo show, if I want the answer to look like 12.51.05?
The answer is 7.02.26
